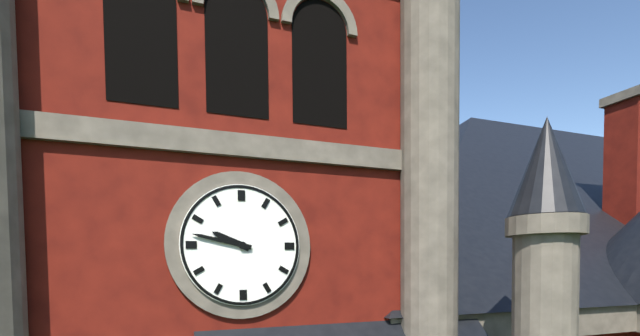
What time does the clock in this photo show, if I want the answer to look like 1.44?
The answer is 9.47
